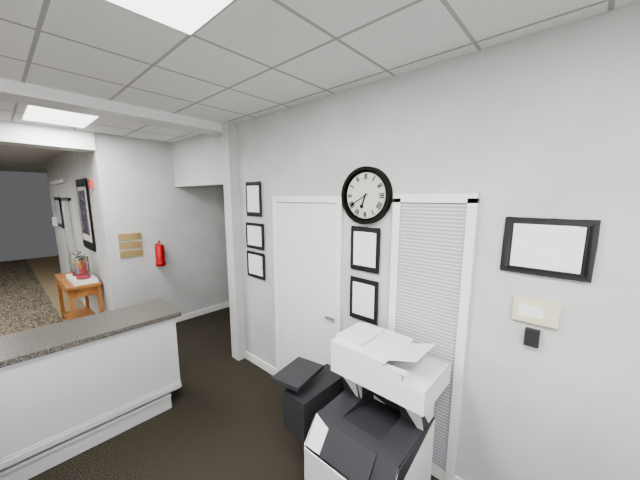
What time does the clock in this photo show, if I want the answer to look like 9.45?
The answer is 6.40
